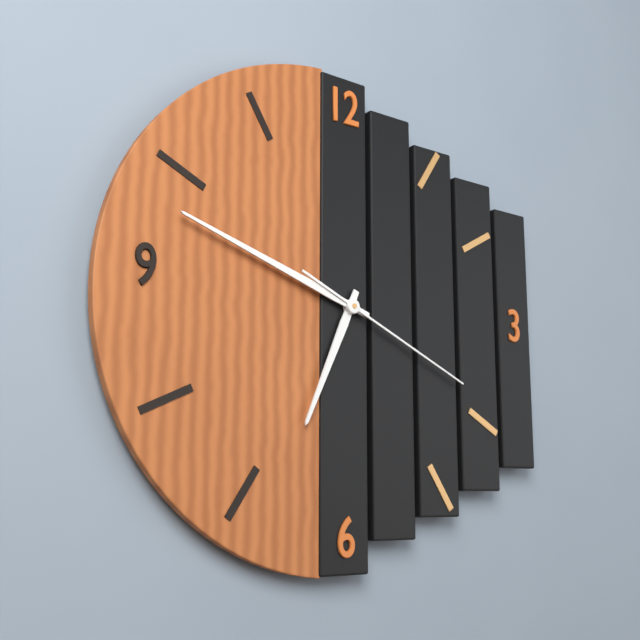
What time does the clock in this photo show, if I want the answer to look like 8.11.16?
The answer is 6.48.19
